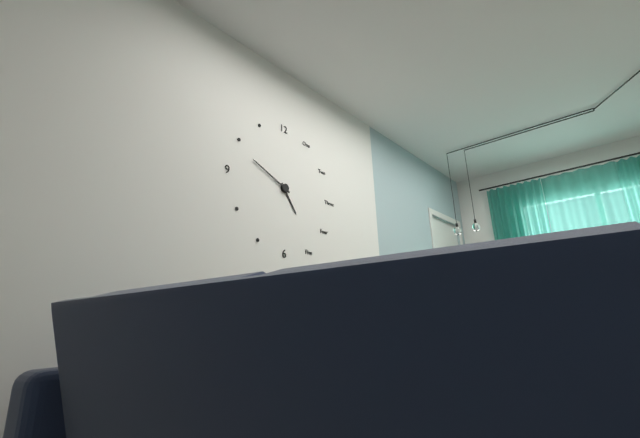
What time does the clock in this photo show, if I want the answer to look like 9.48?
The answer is 4.49
